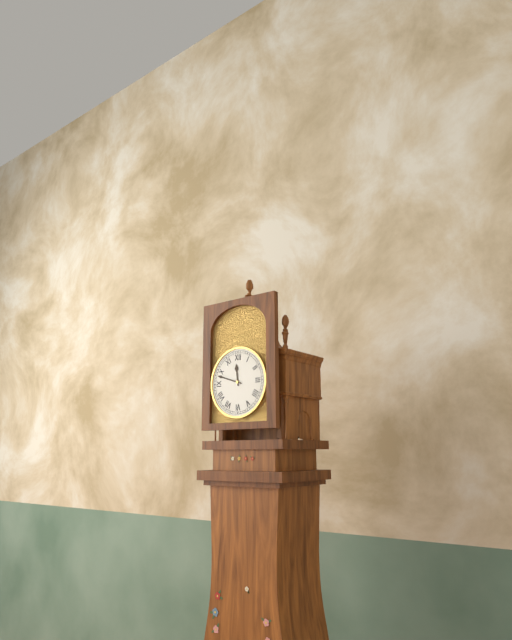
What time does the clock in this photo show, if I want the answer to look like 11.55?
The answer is 11.48
